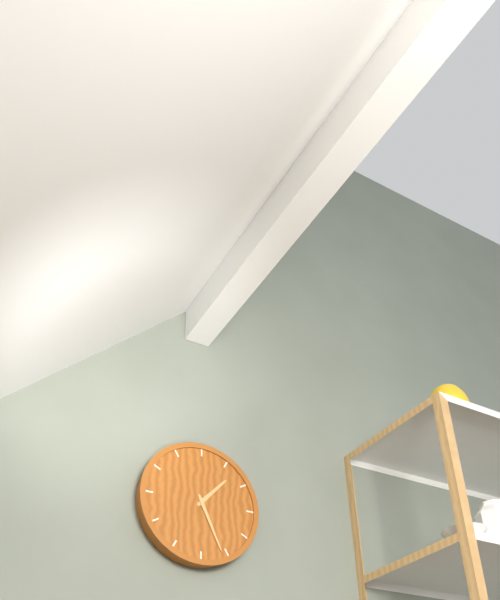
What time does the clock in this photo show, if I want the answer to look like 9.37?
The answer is 1.26
